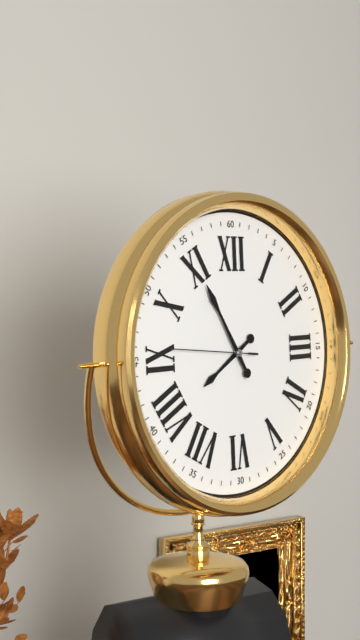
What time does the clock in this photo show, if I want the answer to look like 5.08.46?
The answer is 7.55.46
